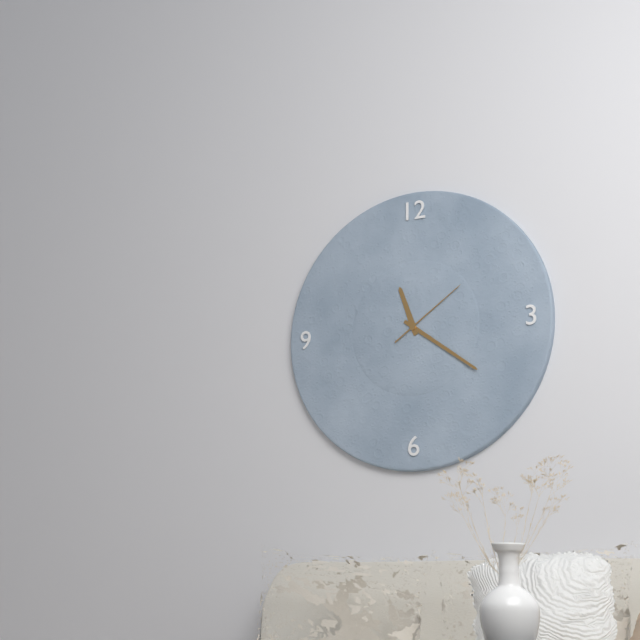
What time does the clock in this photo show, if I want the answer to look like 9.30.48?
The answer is 11.21.09
